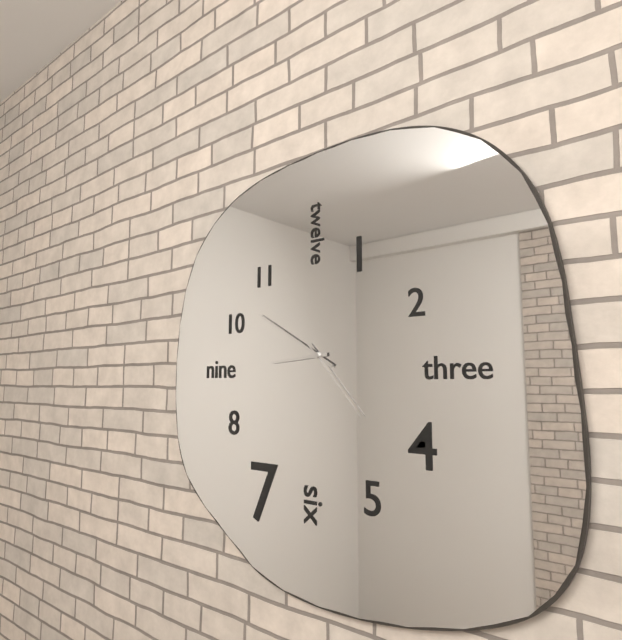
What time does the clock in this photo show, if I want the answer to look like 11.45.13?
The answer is 8.50.23
